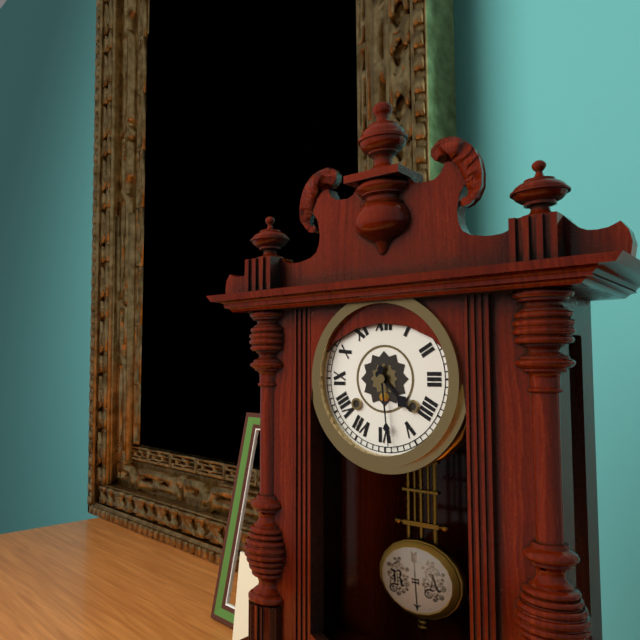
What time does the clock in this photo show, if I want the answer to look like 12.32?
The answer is 4.29
